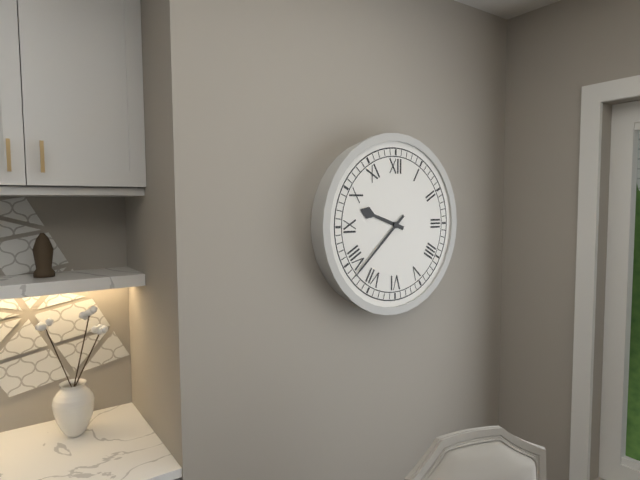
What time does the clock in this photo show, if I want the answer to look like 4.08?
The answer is 9.38
